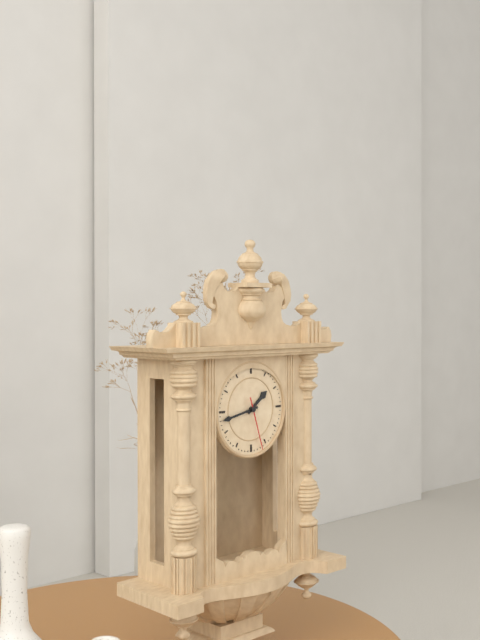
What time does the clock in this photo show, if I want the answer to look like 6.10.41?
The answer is 1.43.27
